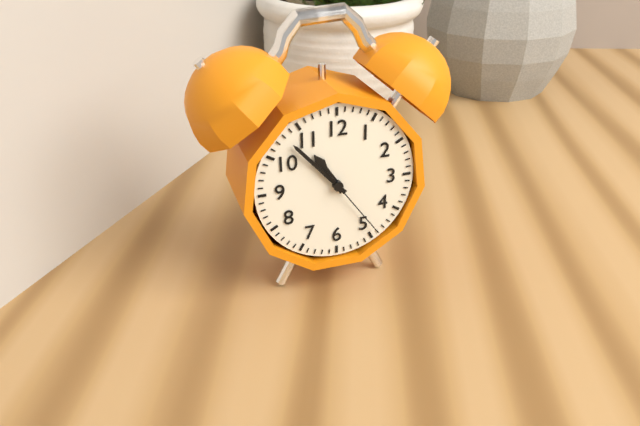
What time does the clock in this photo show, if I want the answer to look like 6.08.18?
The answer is 10.53.24
